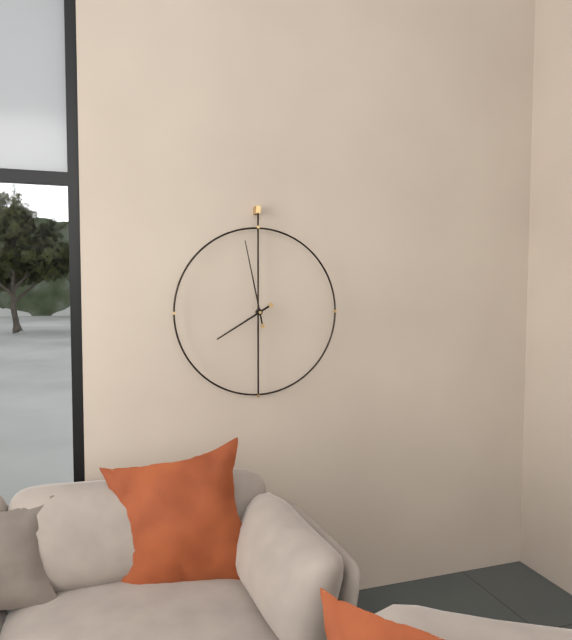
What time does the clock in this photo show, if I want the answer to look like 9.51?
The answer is 7.58
